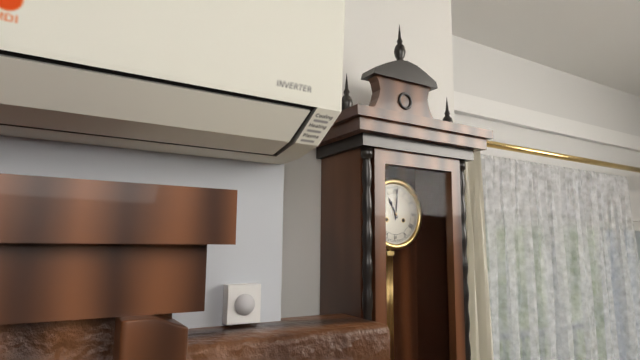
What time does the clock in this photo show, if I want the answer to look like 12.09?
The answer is 11.01
